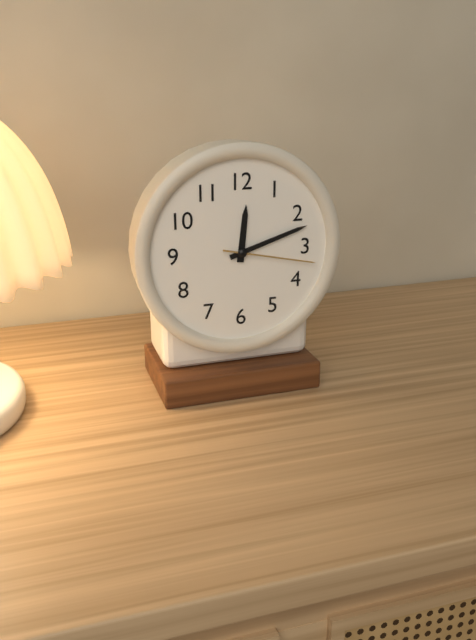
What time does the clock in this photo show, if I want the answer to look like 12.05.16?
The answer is 12.12.17
